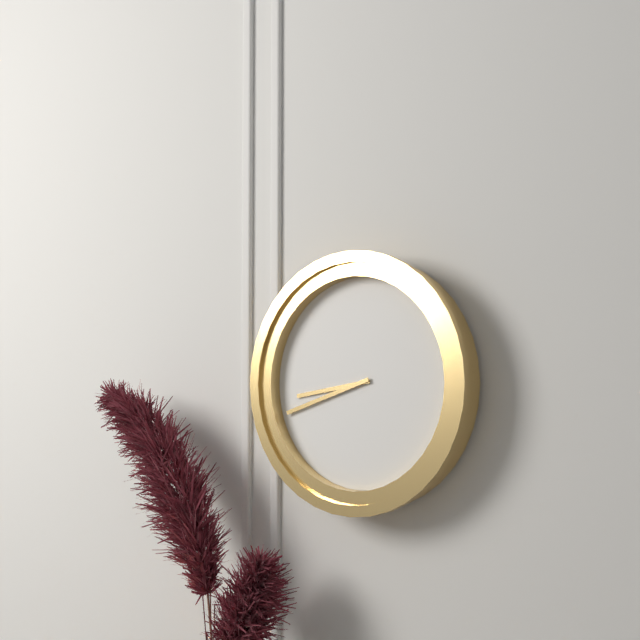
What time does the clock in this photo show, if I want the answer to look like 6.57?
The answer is 8.42
